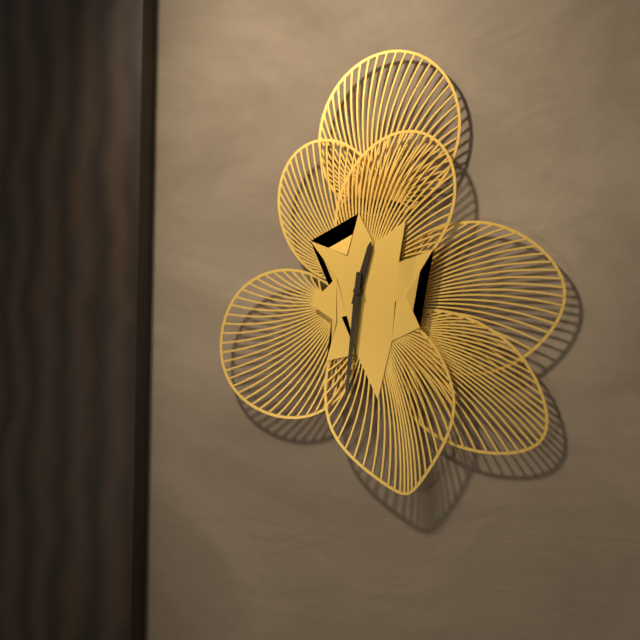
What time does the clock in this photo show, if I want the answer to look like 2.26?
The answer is 12.31
